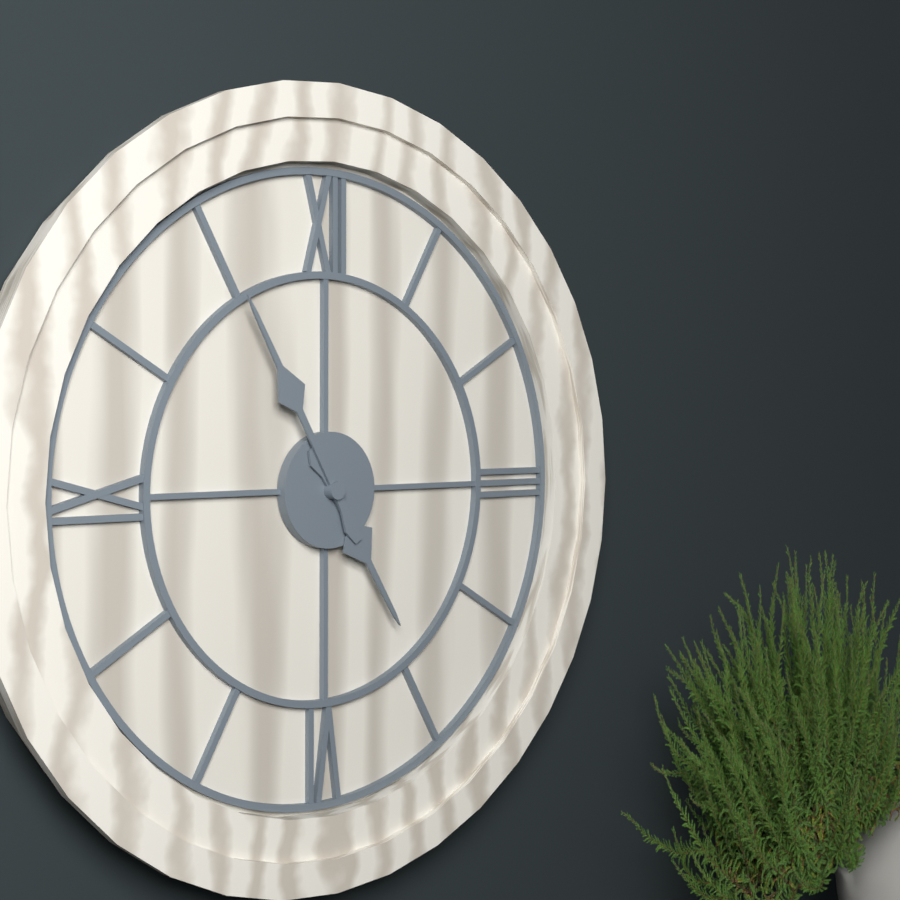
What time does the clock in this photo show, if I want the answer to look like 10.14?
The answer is 4.55
